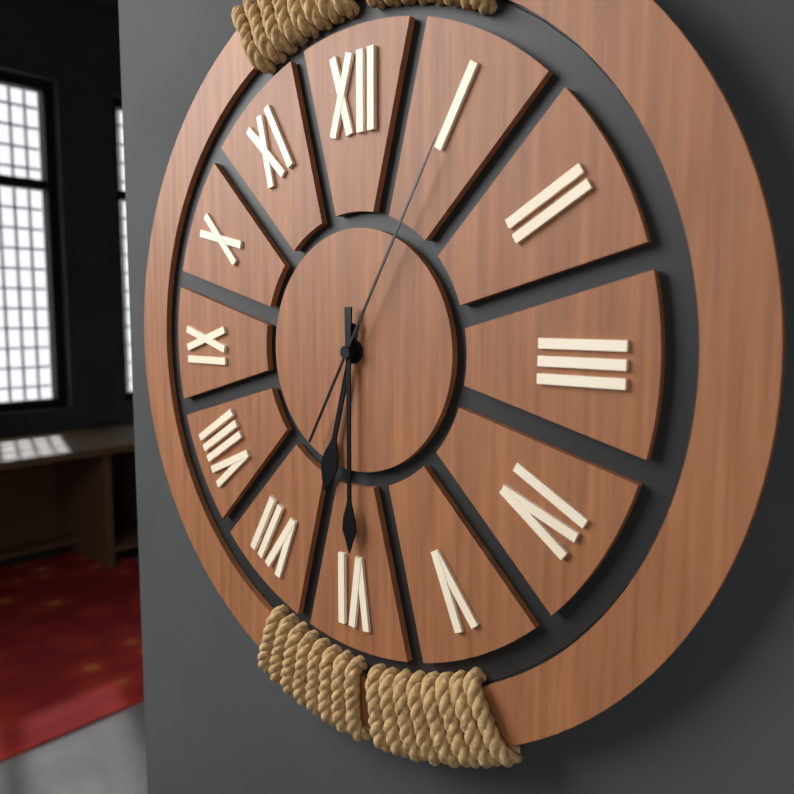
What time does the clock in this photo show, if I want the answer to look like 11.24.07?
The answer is 6.30.05
